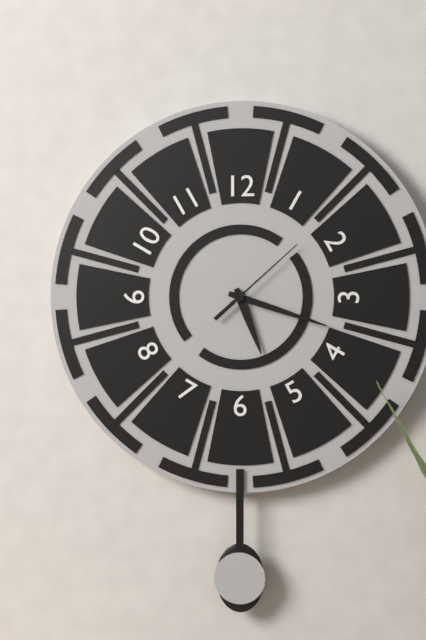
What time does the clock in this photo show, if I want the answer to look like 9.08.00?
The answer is 5.18.08
